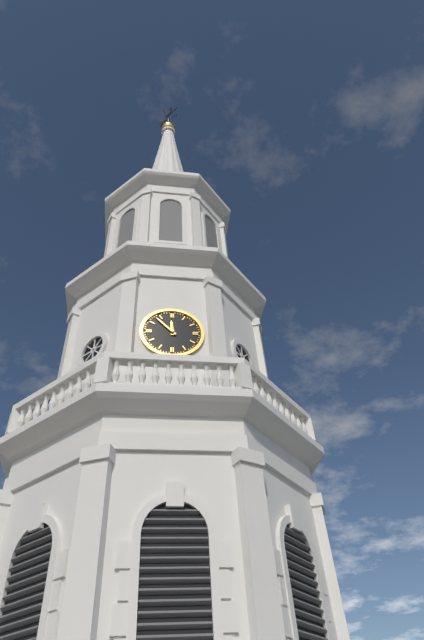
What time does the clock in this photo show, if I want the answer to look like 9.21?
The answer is 11.53
